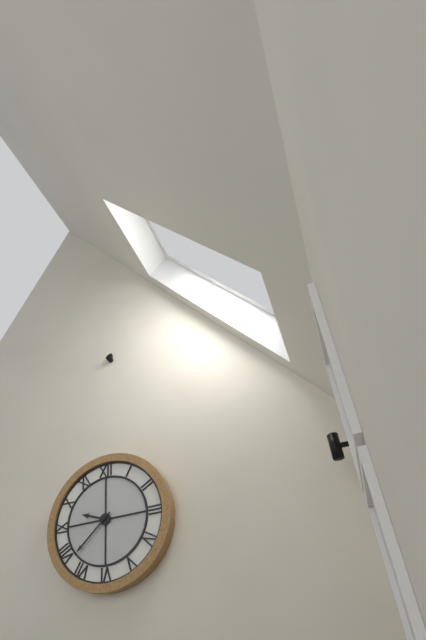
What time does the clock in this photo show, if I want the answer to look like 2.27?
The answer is 9.38
